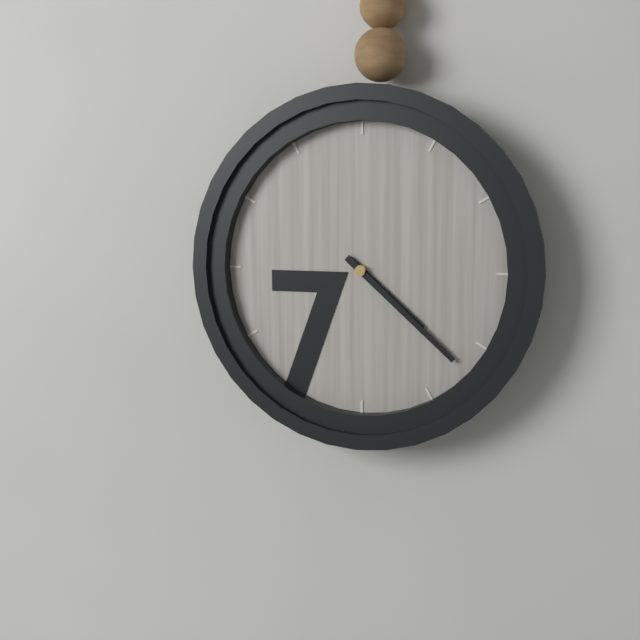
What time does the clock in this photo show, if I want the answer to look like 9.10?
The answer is 4.22
